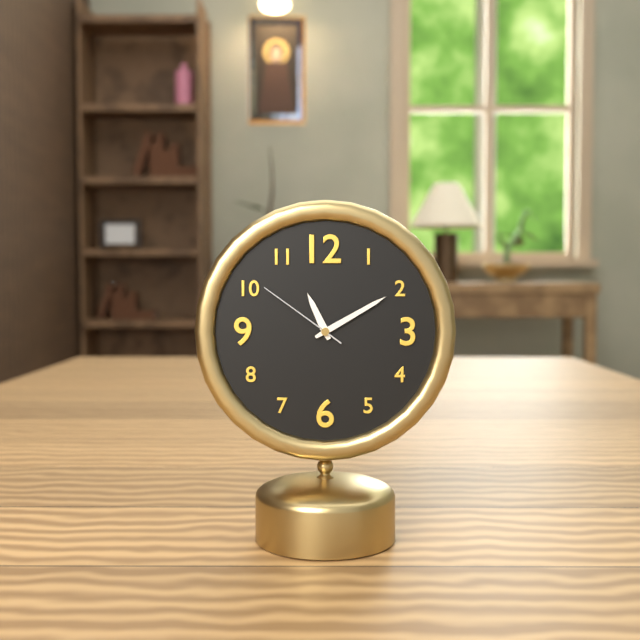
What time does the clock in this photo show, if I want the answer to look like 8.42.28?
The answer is 11.10.51
